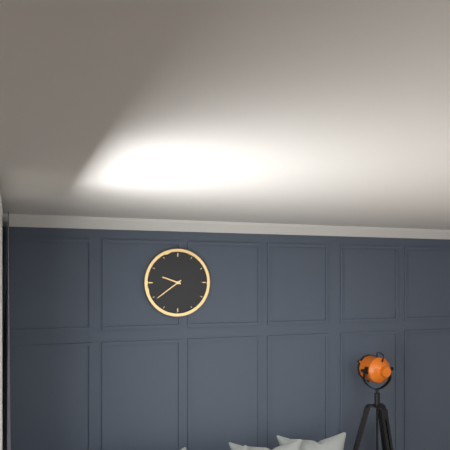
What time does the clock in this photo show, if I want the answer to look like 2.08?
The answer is 9.39
